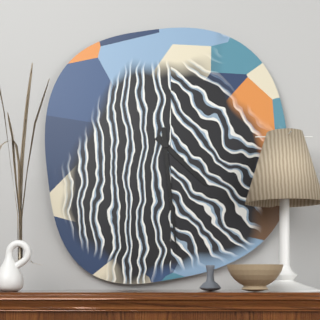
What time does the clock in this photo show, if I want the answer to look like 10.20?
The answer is 4.29
